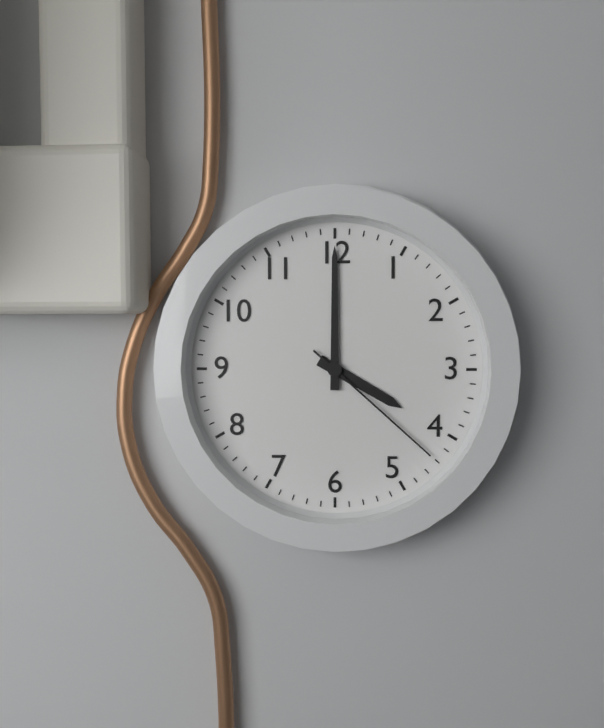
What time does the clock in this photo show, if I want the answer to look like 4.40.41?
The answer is 4.00.22
